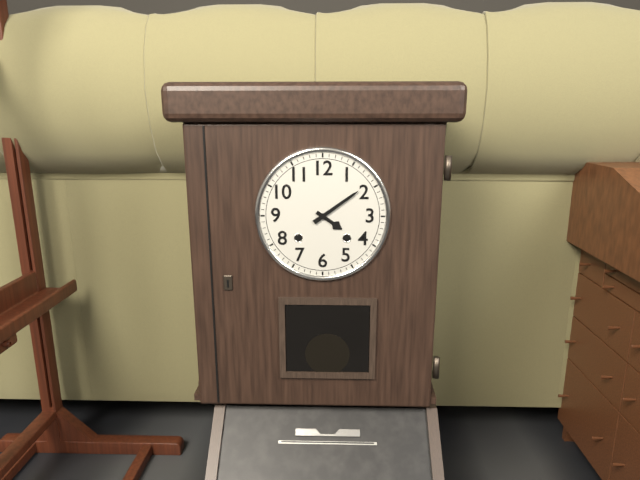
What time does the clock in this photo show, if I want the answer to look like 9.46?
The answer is 4.09
